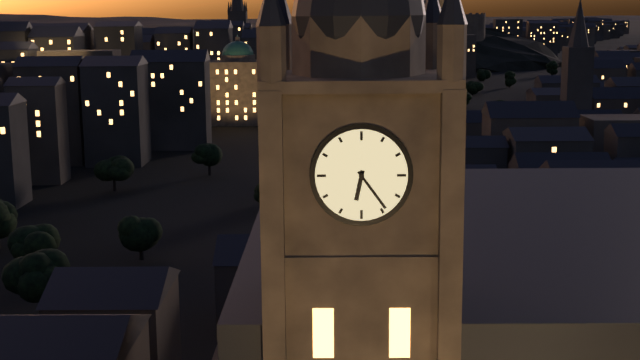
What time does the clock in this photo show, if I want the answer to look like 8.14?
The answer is 6.24
